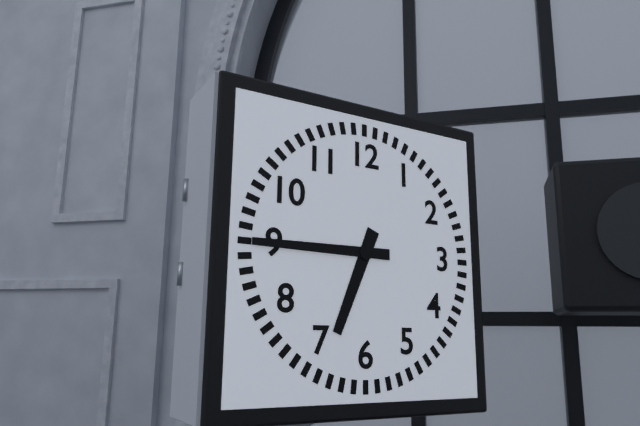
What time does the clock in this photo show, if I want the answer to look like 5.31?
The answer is 6.45
